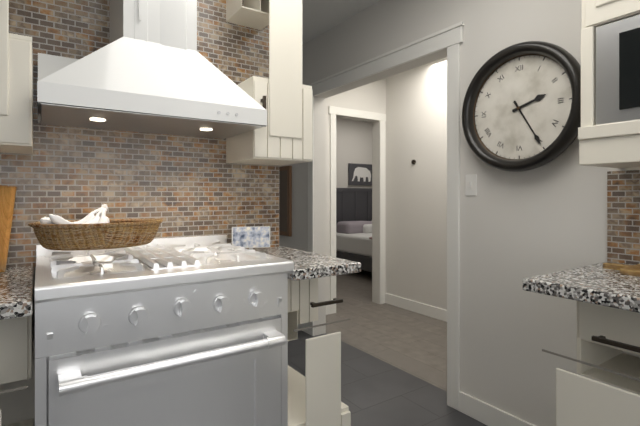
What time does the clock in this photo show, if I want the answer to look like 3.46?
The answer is 2.25
